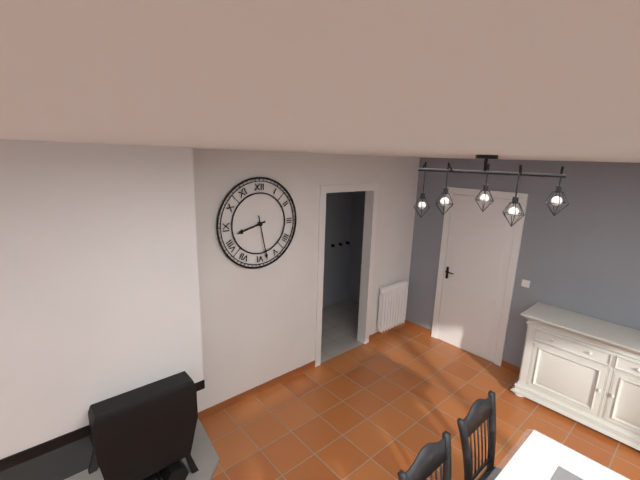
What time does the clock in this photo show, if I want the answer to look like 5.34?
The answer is 8.28
